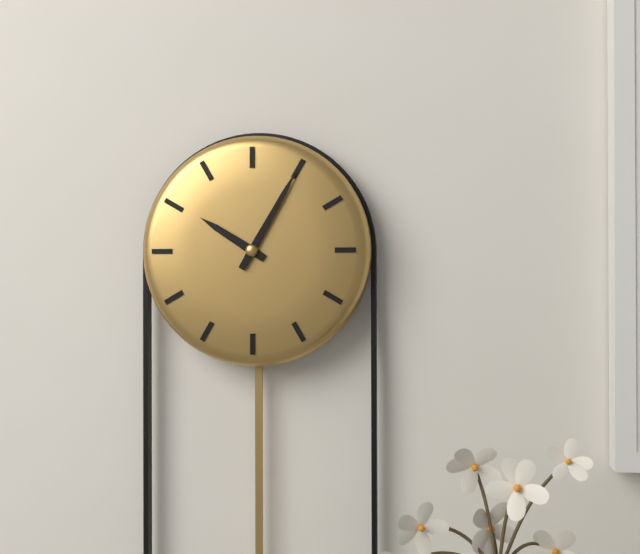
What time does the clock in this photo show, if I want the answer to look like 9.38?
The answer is 10.05
